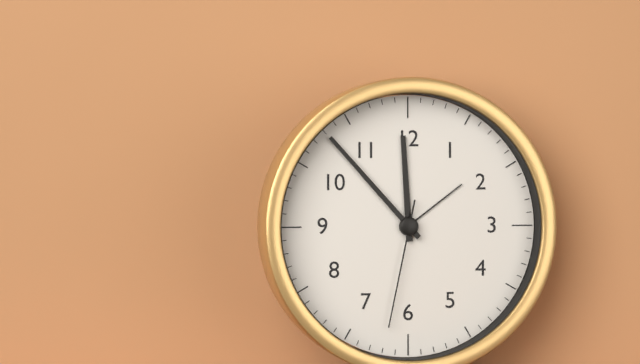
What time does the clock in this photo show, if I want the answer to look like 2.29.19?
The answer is 11.53.32
